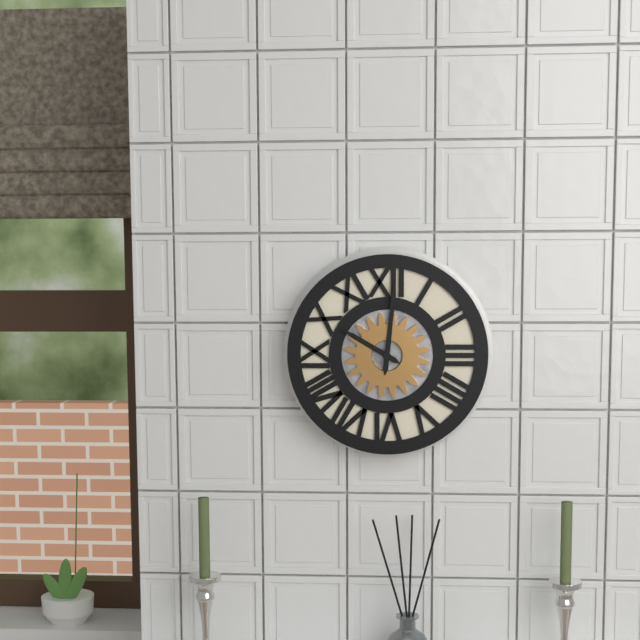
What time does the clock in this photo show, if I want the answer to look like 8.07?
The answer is 10.01
